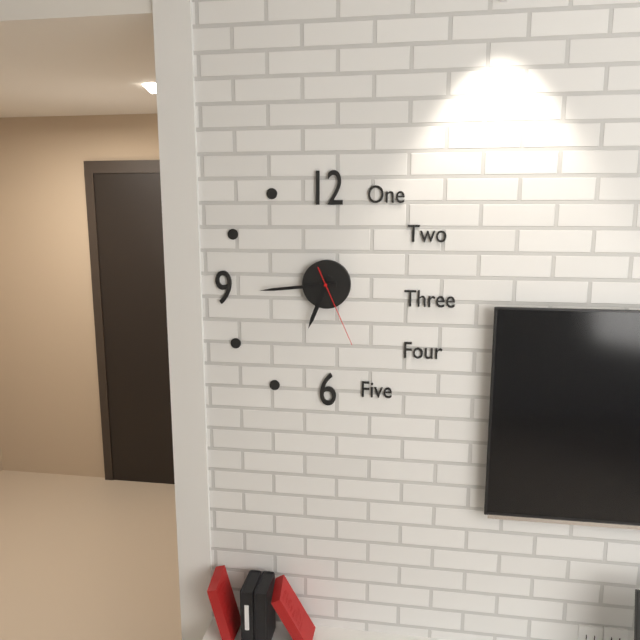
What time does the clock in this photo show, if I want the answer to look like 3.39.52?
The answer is 6.44.26
